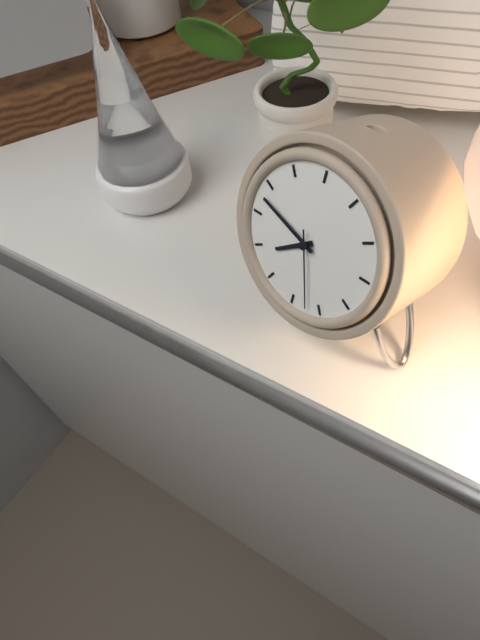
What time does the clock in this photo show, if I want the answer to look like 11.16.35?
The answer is 7.48.27
